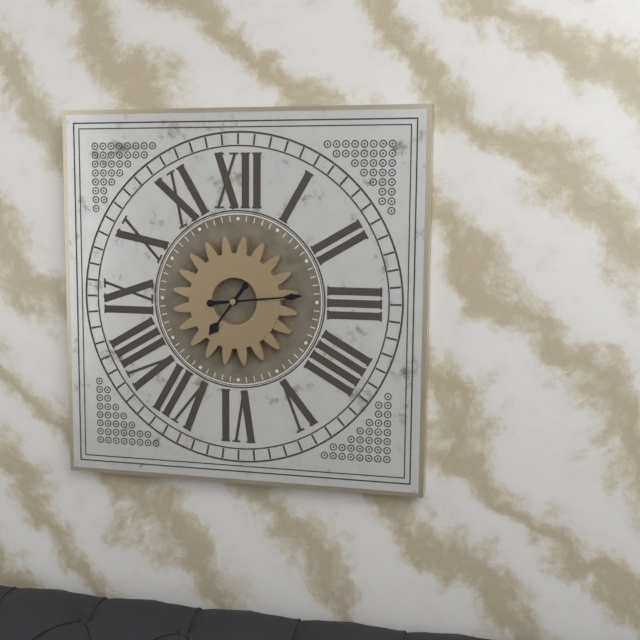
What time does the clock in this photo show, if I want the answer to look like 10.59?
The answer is 7.14
